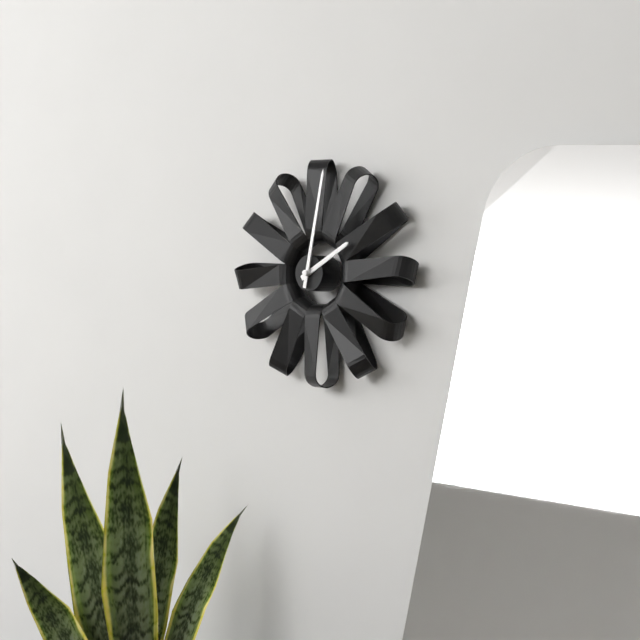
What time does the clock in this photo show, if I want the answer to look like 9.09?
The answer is 2.02
